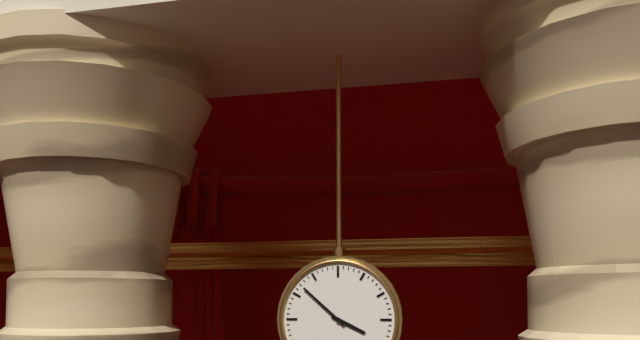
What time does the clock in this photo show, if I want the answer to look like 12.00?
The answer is 3.52
